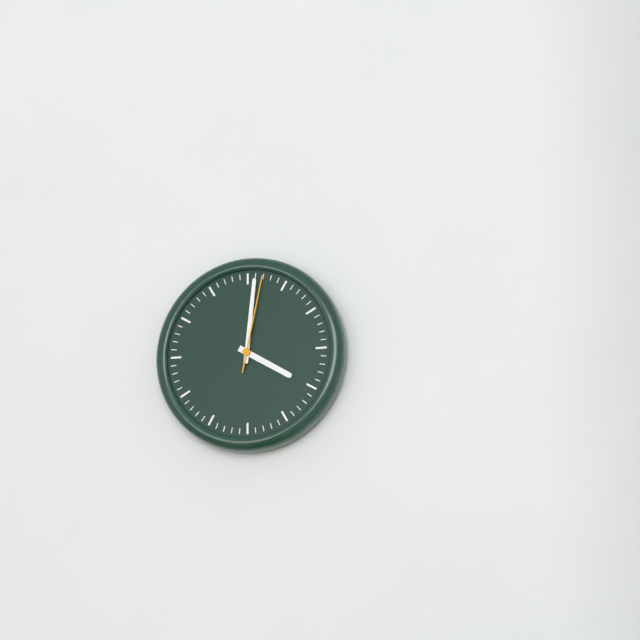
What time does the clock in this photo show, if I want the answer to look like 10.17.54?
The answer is 4.01.02
